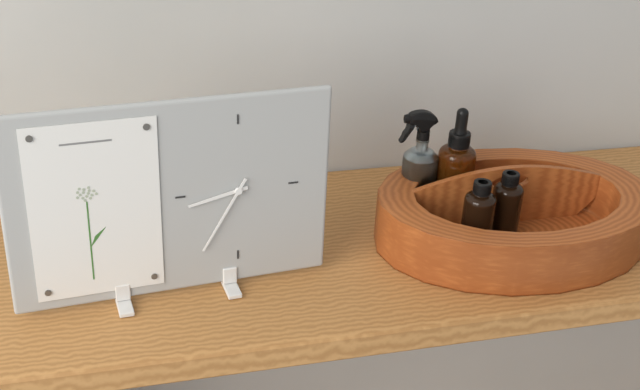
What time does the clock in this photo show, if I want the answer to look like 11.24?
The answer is 8.35
